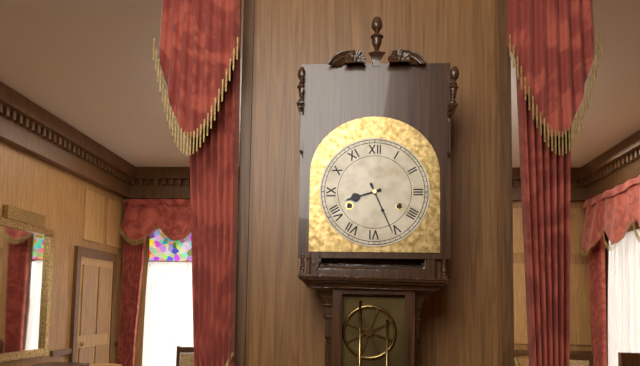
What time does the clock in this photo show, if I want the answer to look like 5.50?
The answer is 8.26
